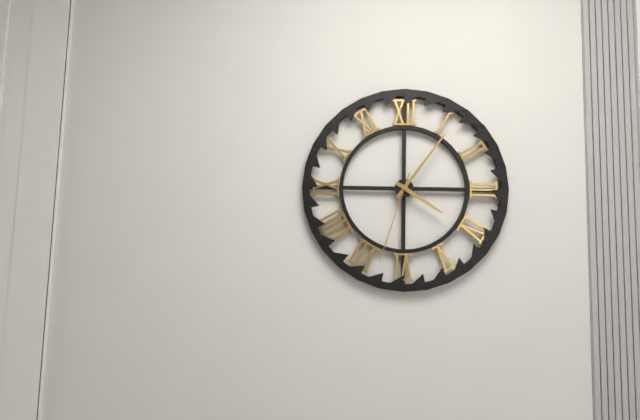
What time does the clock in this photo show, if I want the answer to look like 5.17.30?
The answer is 4.06.33
